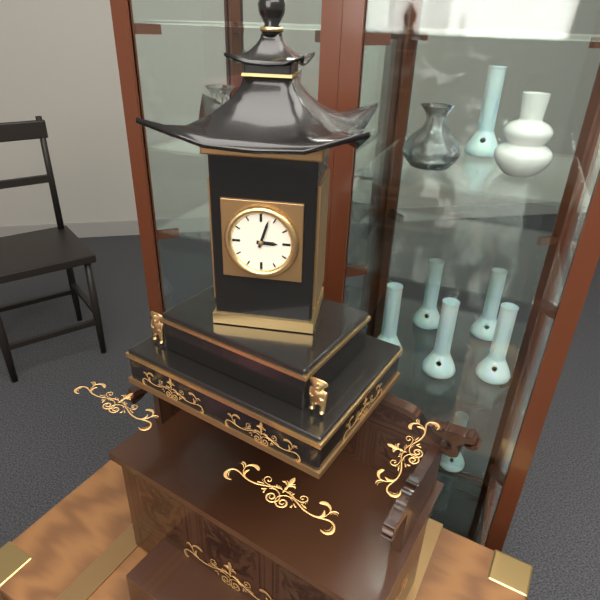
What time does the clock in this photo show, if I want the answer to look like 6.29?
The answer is 3.03
